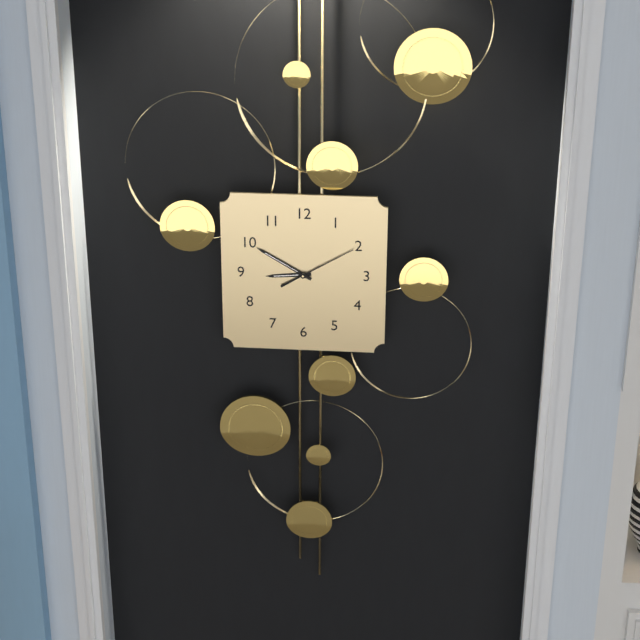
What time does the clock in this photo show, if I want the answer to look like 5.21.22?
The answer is 8.50.10
